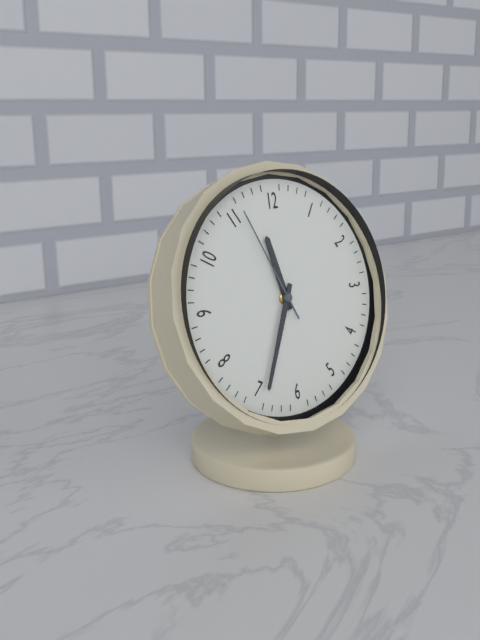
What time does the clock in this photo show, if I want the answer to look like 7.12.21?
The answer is 11.34.56
